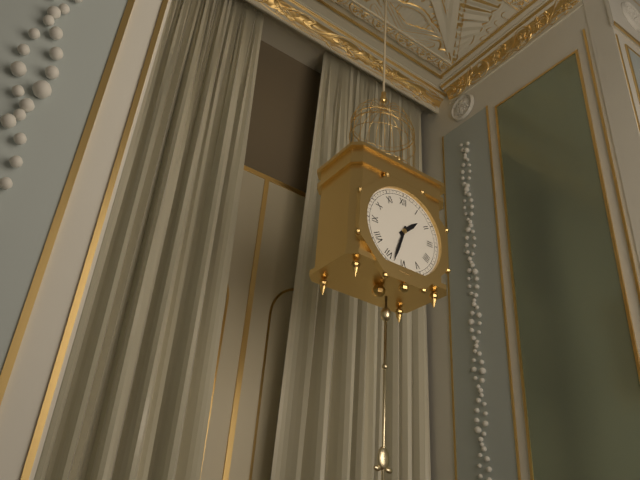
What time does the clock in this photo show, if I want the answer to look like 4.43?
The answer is 1.33
